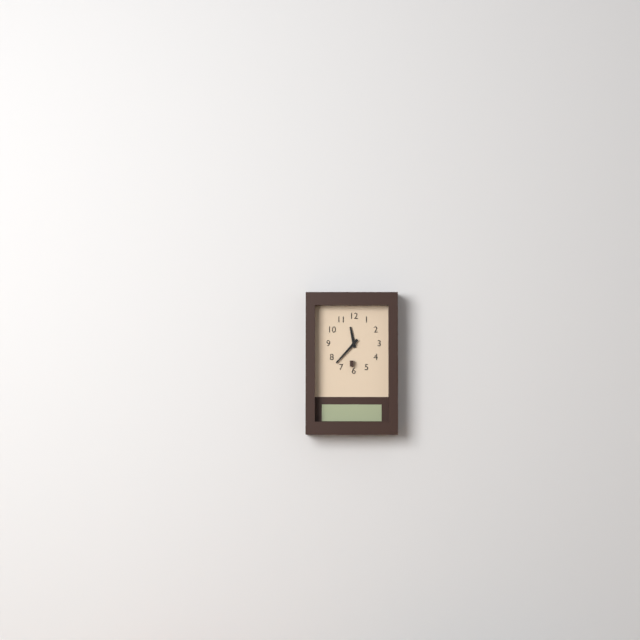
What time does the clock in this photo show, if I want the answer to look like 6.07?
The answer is 11.37
